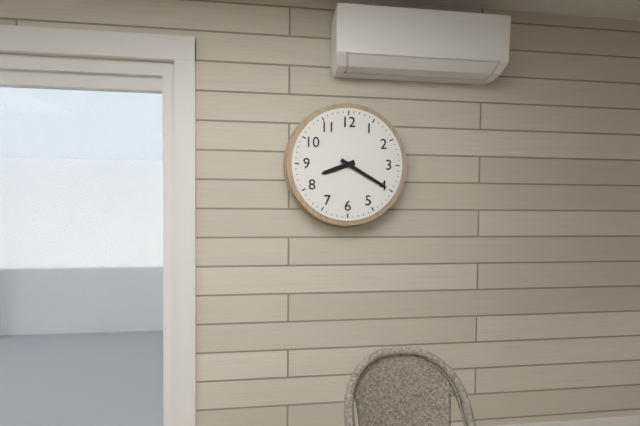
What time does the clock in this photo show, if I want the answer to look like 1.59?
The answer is 8.20
